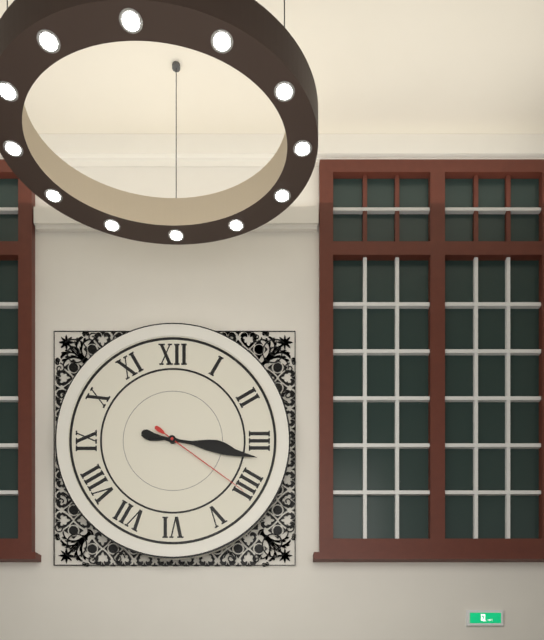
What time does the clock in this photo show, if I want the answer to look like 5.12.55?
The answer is 3.17.21
